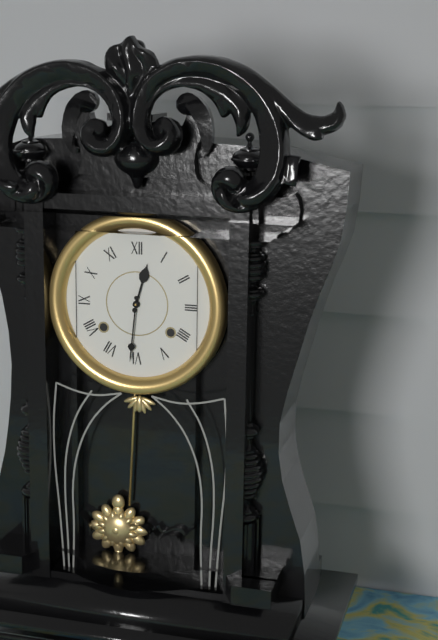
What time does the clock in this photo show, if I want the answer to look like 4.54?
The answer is 12.31
